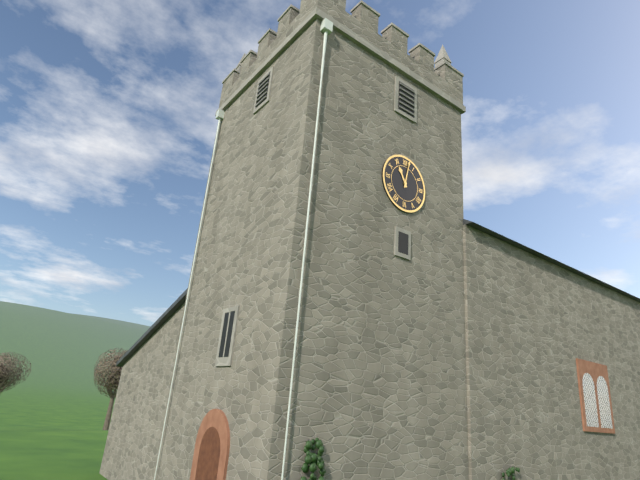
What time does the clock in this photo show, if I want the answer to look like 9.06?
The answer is 11.02
